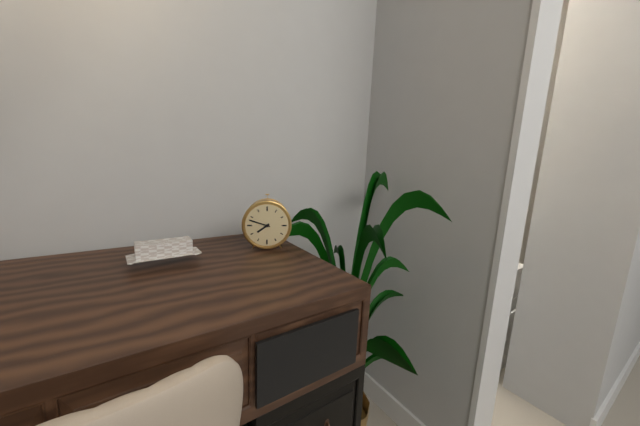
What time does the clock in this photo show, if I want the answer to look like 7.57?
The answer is 7.48
